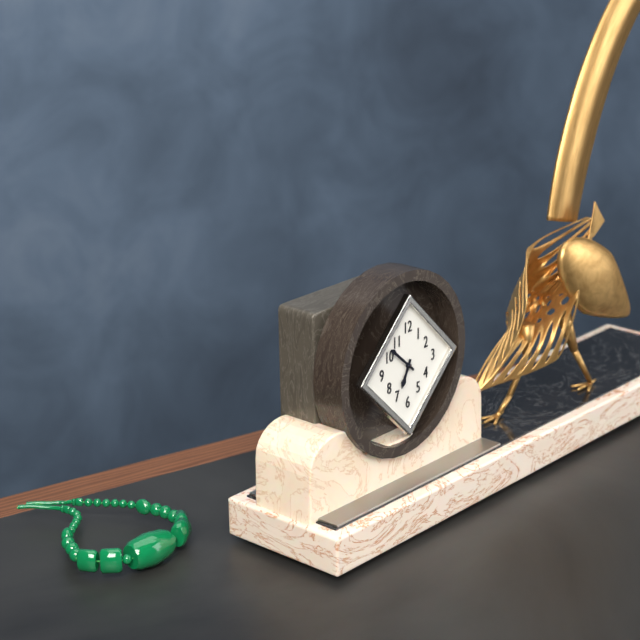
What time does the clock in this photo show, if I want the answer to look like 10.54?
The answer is 6.52
